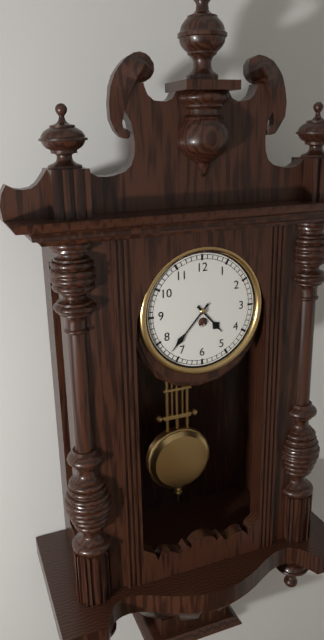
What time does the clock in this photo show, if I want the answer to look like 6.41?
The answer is 4.37
